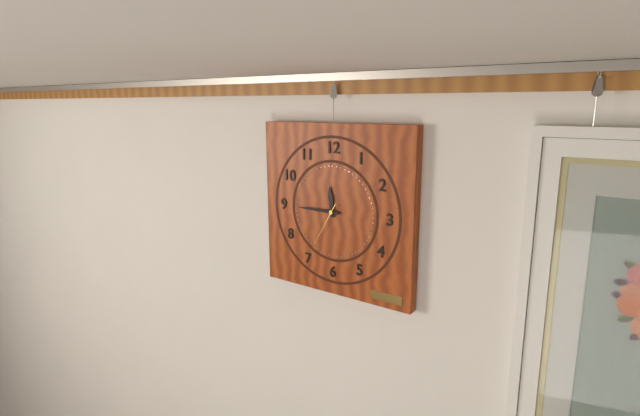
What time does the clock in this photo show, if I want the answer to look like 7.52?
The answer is 11.45
